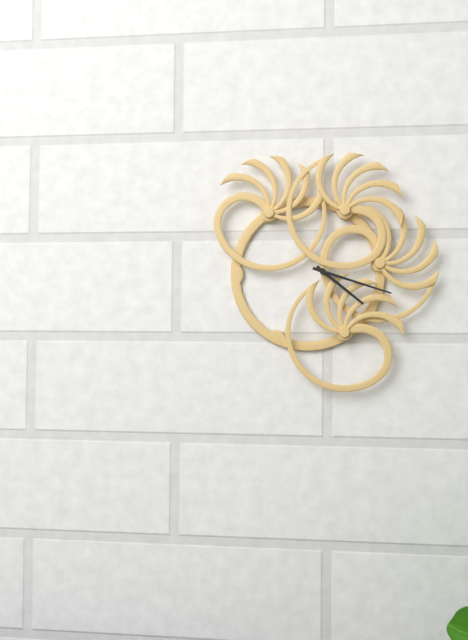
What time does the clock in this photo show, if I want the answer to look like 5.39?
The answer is 4.18
